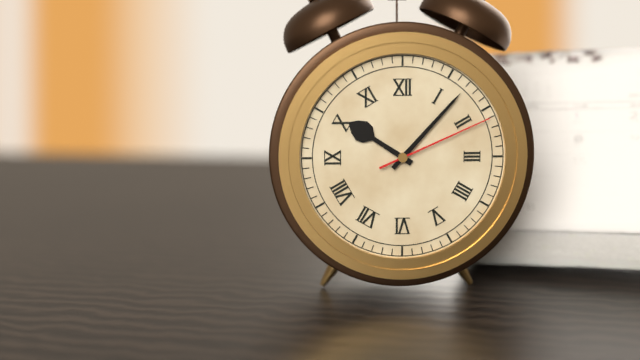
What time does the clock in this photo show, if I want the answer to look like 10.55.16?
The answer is 10.07.11
